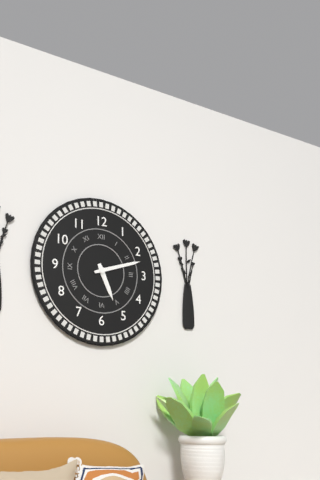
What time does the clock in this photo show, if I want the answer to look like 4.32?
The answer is 5.12
